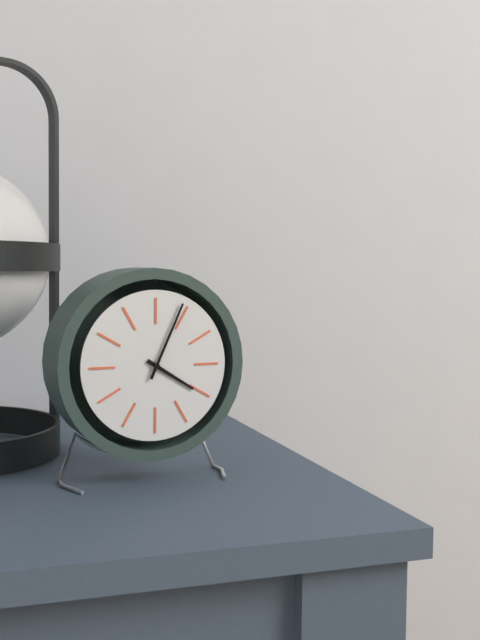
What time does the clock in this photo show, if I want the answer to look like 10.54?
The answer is 4.04
